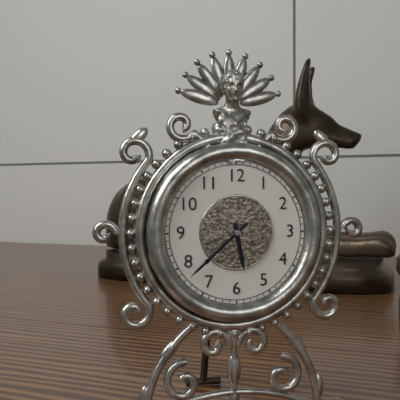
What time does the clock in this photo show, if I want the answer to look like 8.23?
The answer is 5.38
